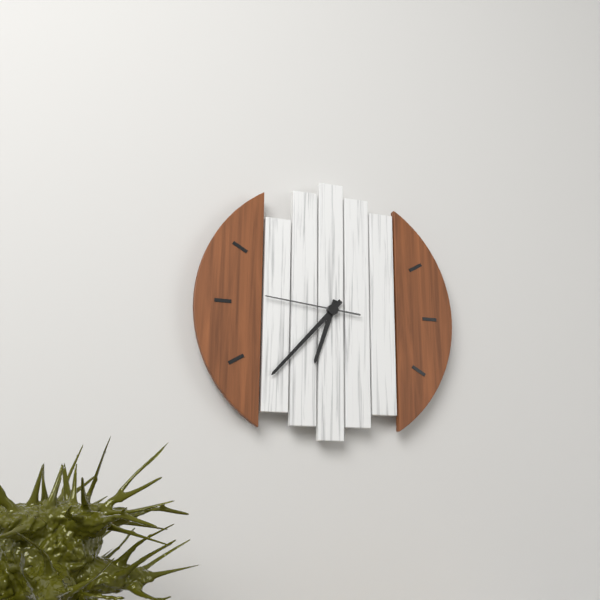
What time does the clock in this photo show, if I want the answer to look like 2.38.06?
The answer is 6.37.46
